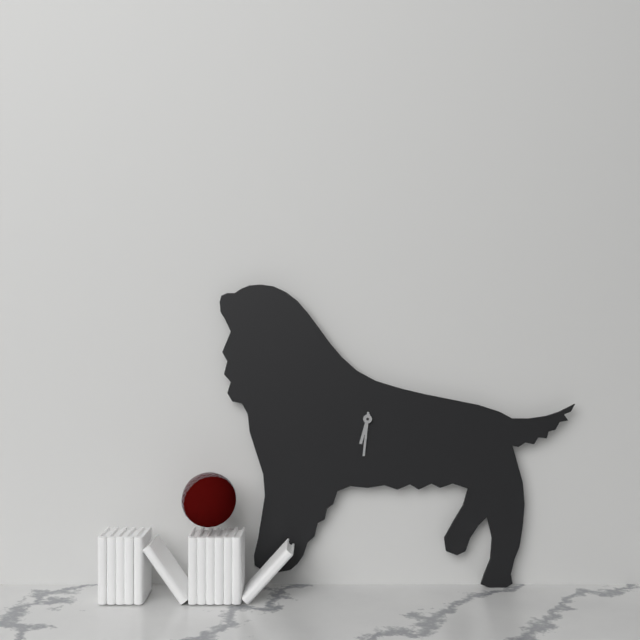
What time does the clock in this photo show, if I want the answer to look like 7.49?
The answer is 6.31
